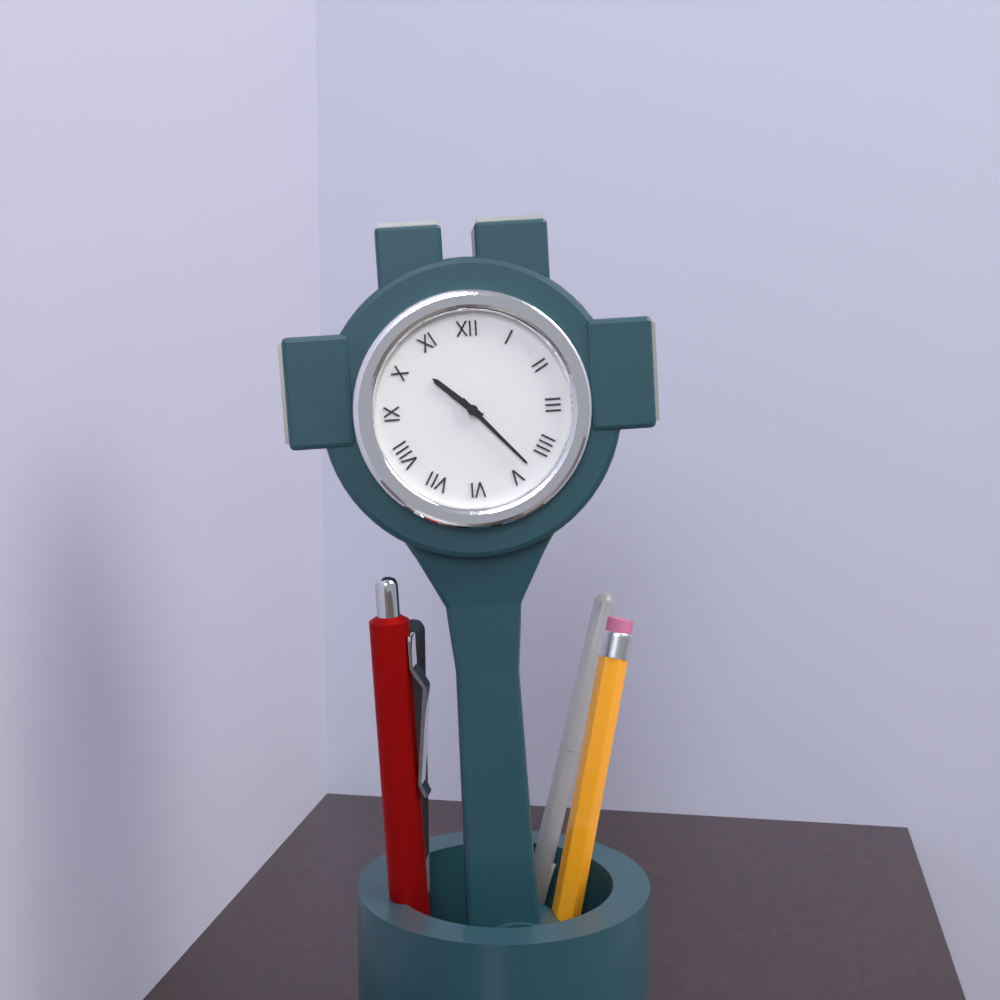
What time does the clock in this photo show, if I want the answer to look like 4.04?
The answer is 10.23
